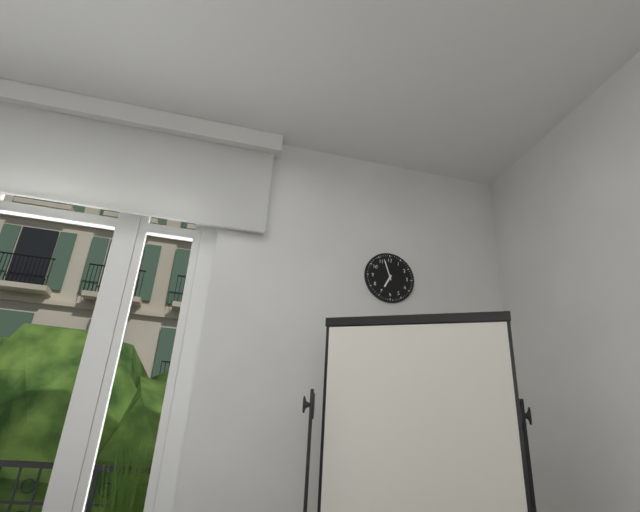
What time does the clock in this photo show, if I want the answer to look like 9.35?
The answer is 6.57
